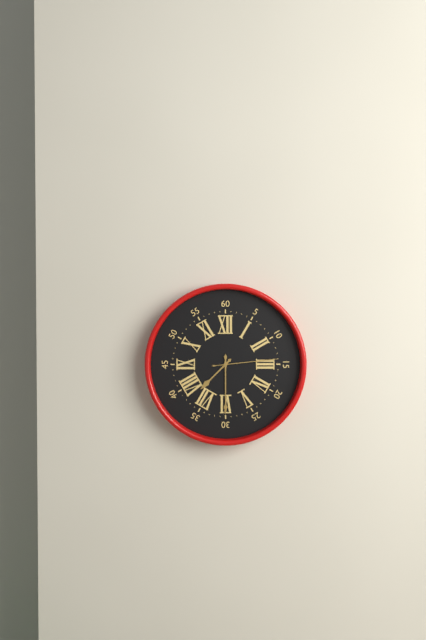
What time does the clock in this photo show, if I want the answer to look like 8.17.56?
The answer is 7.30.14
